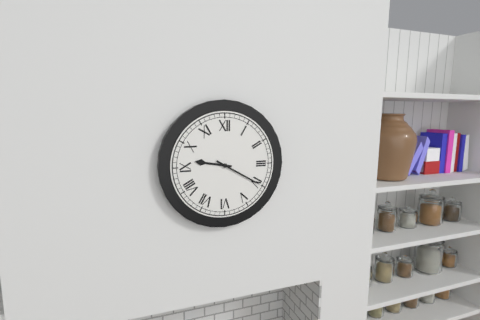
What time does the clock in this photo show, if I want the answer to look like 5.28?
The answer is 9.20
